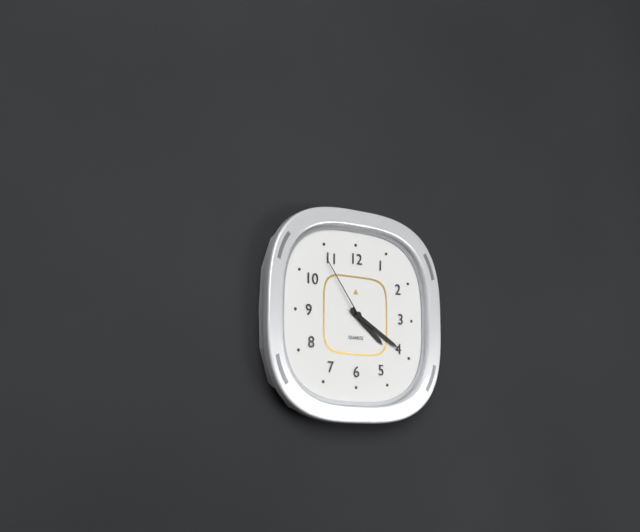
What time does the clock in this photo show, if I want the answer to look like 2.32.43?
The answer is 4.20.54
